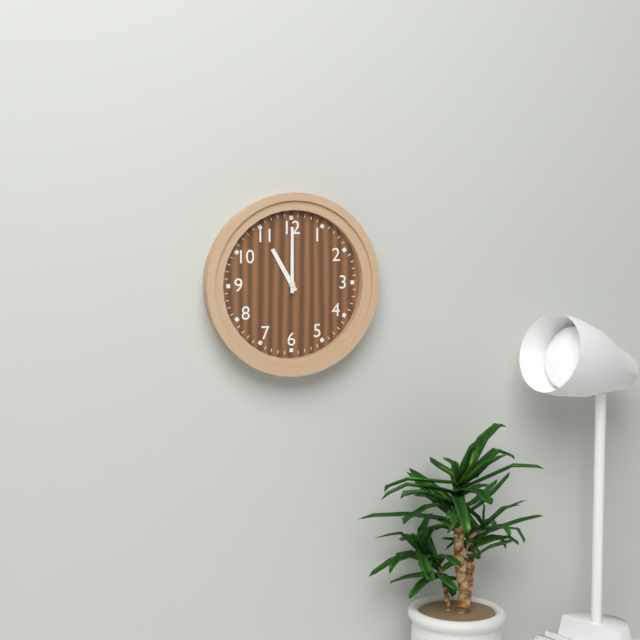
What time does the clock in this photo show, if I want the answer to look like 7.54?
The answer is 11.00
